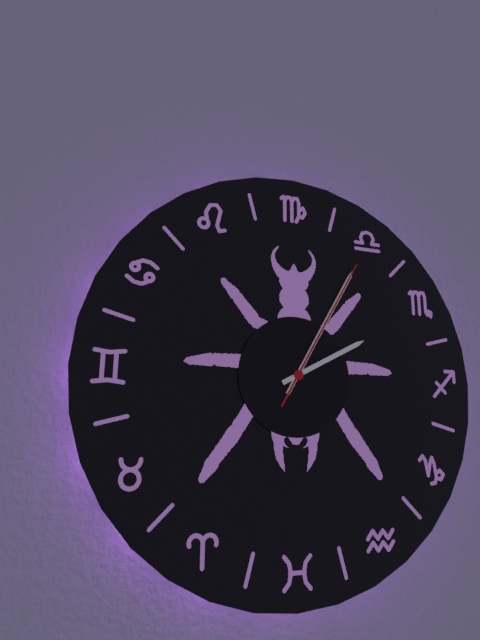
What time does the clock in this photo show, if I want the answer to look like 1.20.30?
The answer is 2.05.05
